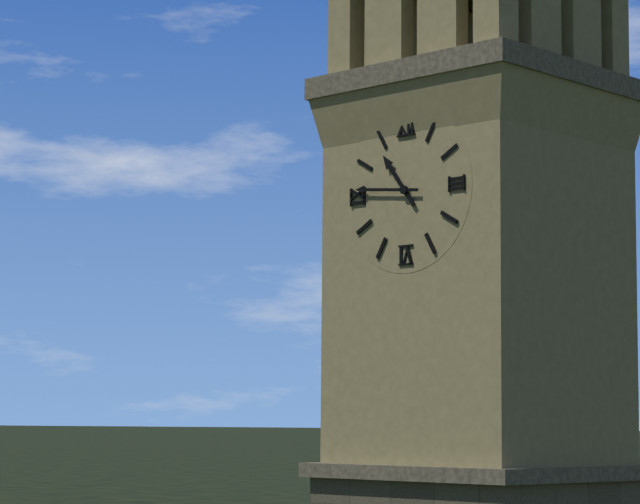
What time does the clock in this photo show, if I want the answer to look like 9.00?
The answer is 10.46
